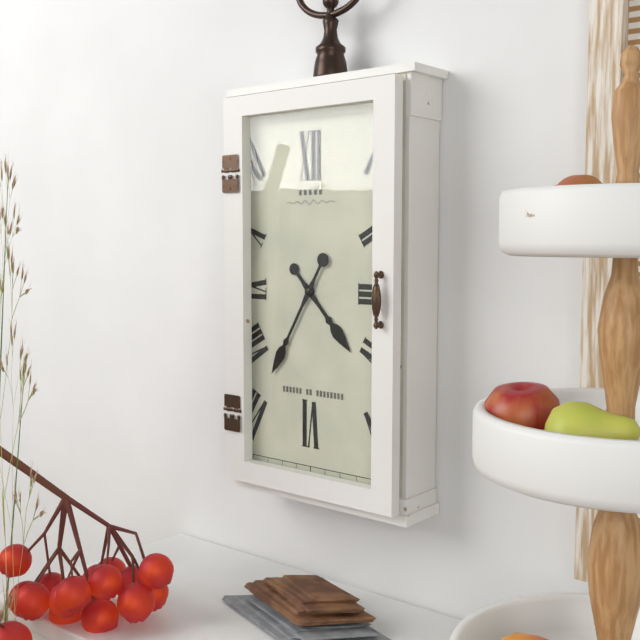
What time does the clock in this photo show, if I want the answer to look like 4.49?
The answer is 4.35
